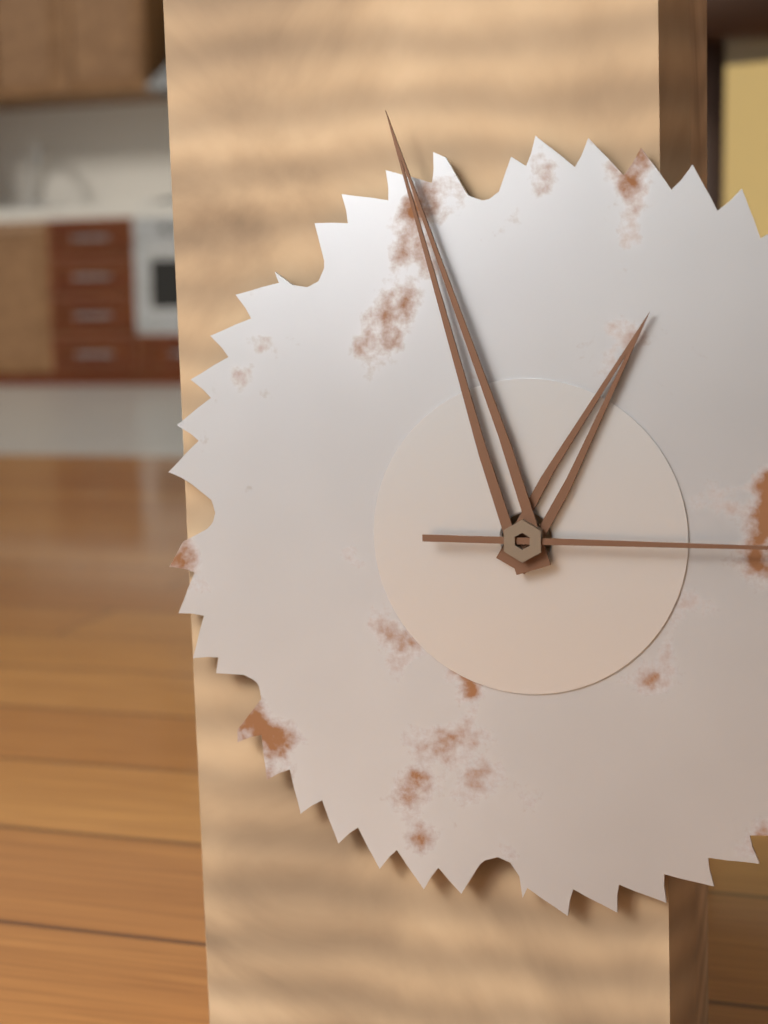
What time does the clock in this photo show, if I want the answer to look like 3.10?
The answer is 12.57
